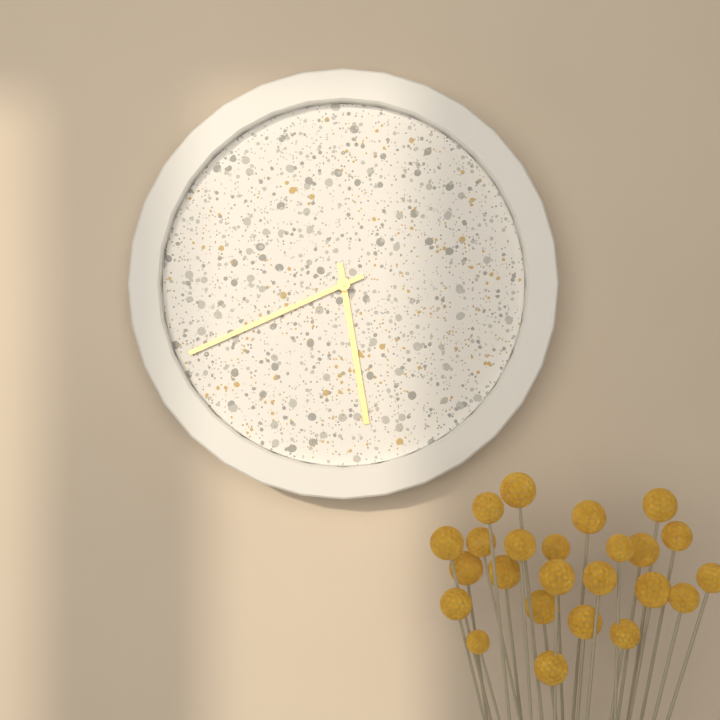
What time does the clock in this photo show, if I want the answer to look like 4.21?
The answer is 5.41
